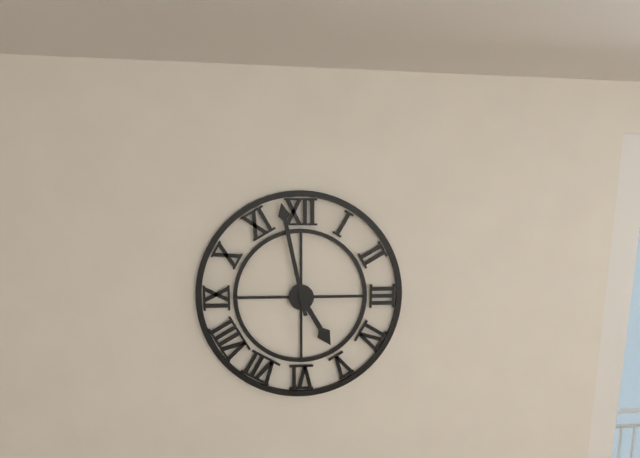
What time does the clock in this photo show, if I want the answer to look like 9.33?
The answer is 4.58
